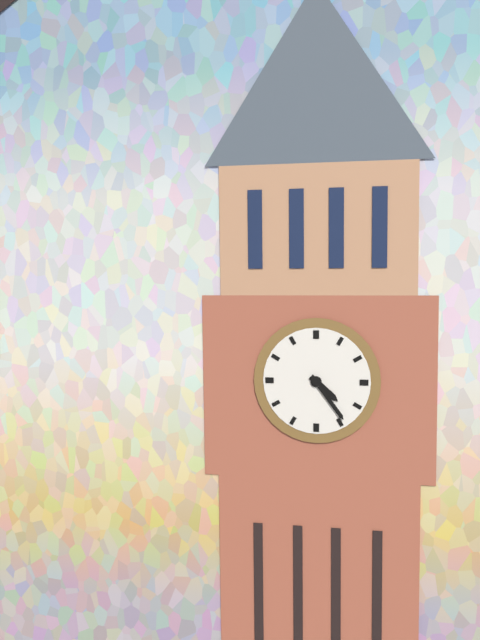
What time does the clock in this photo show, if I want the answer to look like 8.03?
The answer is 4.24
